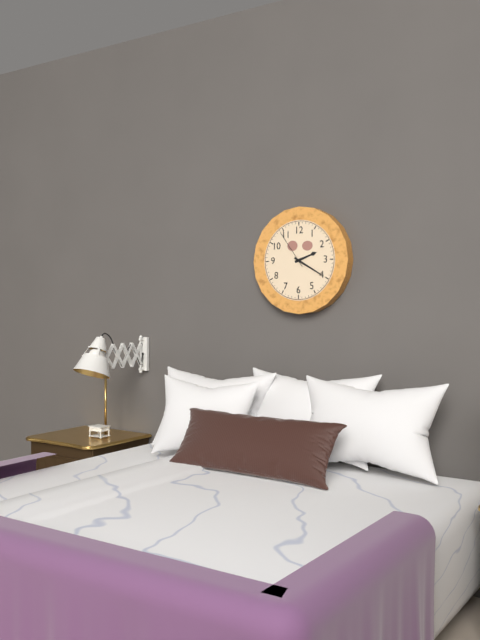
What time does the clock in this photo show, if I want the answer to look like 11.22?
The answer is 2.20
